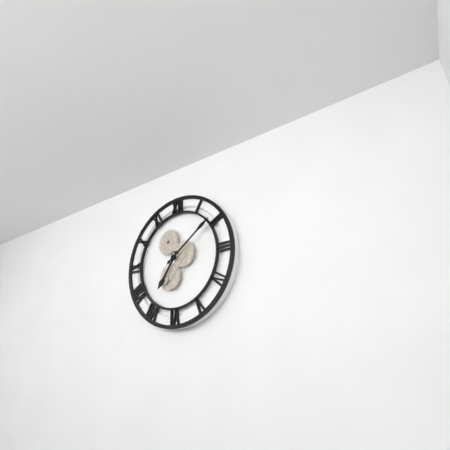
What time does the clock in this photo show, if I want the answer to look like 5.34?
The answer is 7.09
